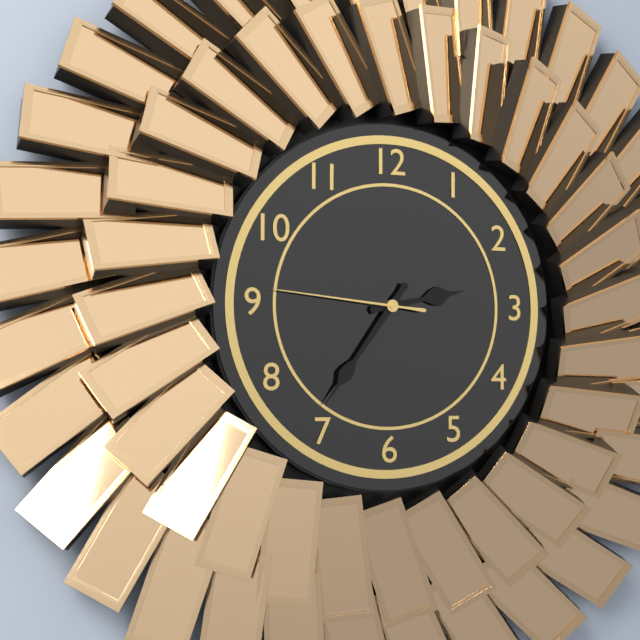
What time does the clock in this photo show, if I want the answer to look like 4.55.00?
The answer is 2.36.46
